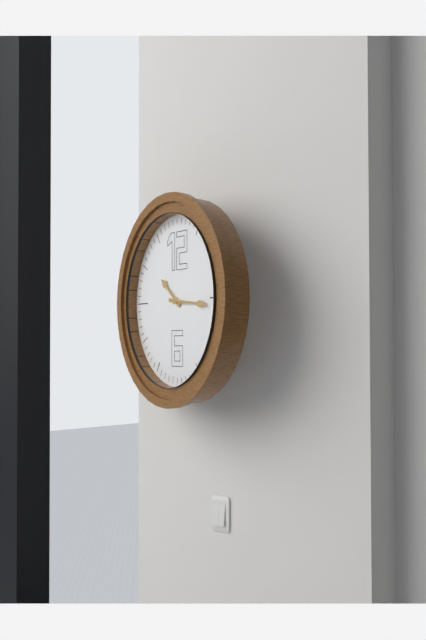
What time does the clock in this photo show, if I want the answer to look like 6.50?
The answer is 10.16
